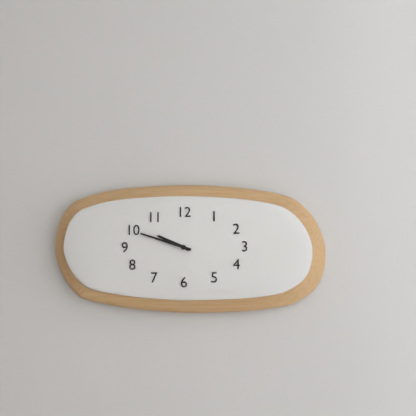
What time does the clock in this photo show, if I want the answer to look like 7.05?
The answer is 9.48
